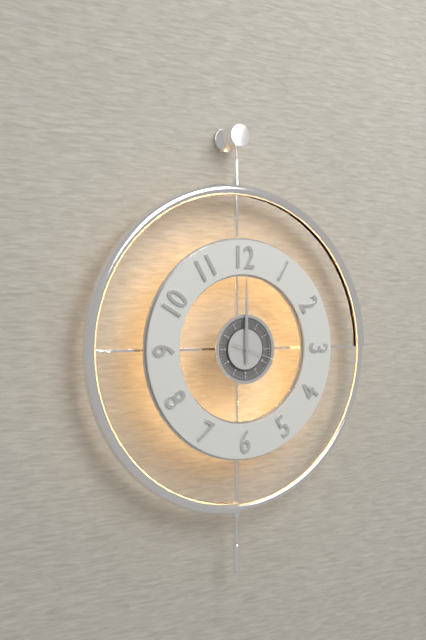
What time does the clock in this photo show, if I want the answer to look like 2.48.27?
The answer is 12.00.18
